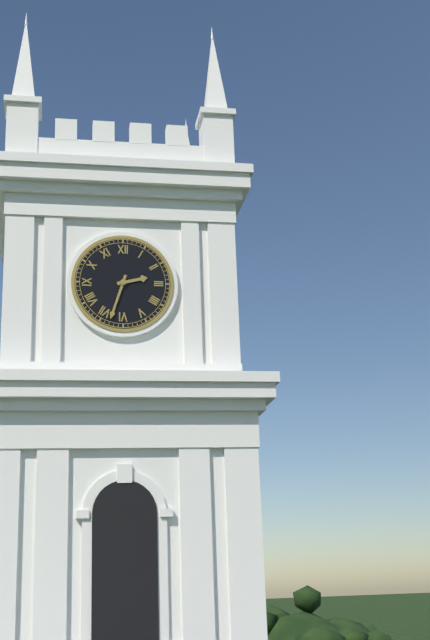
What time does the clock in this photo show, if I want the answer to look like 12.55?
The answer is 2.33
